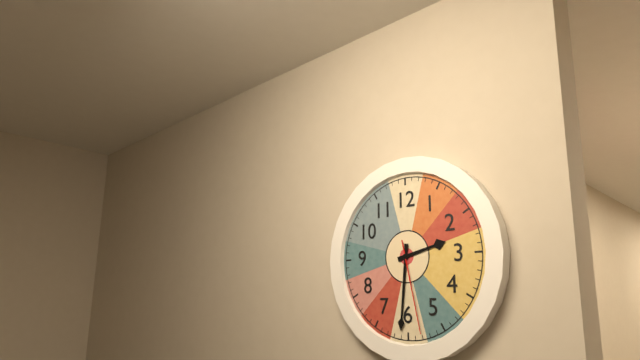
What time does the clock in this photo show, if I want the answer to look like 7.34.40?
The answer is 2.31.28
